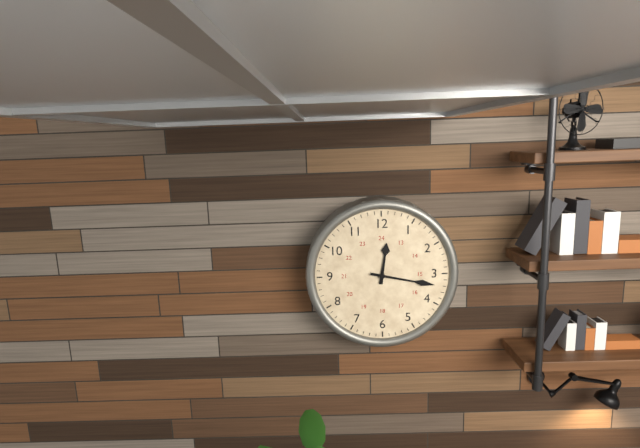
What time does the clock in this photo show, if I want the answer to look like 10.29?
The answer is 12.17
